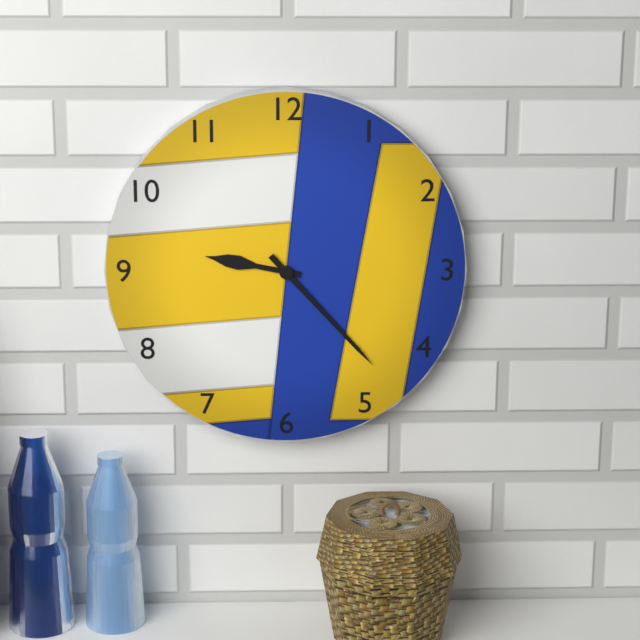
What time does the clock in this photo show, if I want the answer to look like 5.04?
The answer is 9.23
